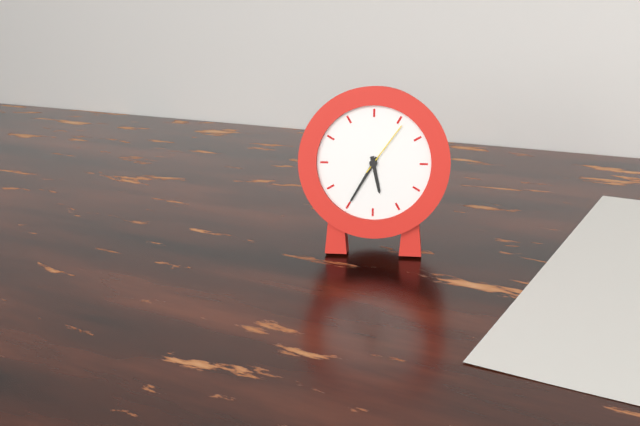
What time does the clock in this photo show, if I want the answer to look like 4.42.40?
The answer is 5.35.06
